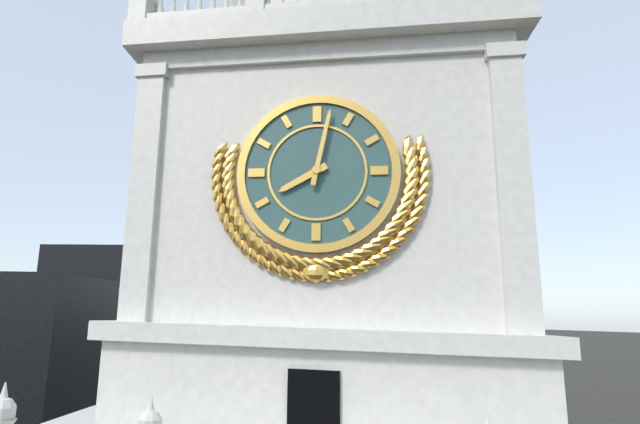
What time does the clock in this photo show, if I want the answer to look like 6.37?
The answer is 8.02
